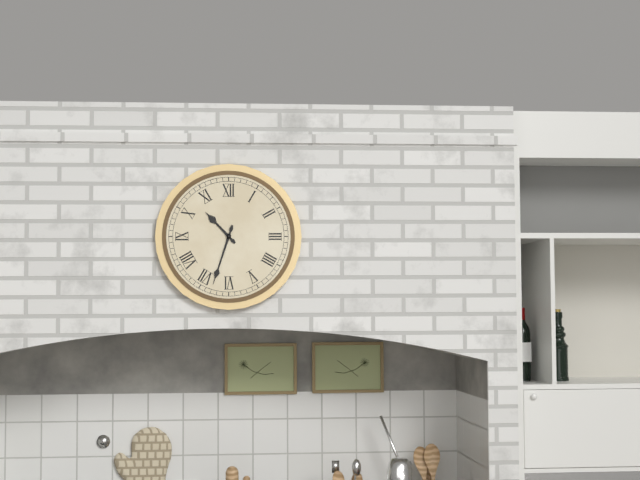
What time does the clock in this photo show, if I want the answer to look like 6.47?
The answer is 10.33
